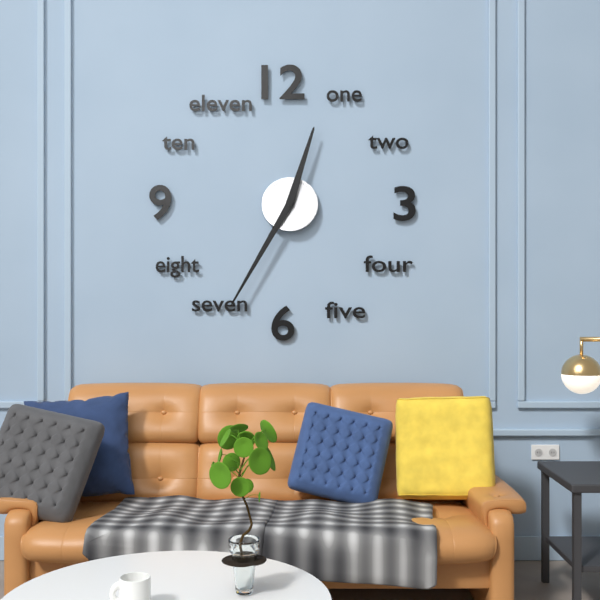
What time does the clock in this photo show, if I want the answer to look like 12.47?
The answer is 12.35
